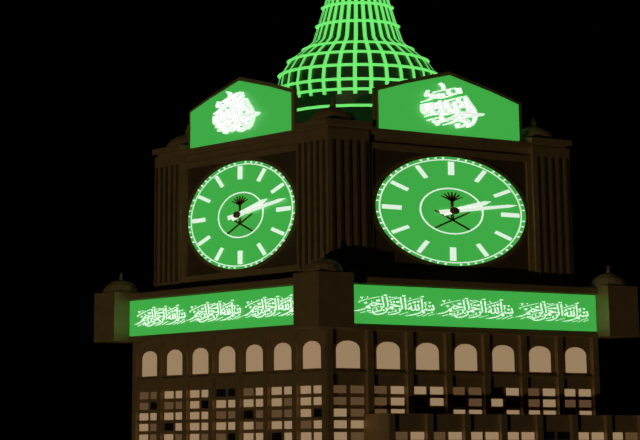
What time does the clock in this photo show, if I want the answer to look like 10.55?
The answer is 2.13
